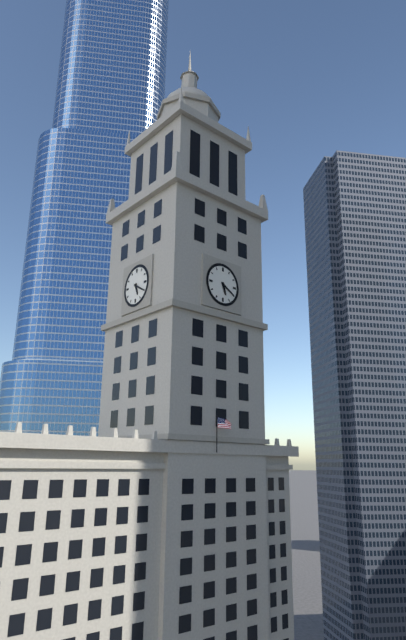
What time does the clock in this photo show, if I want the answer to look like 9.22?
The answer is 5.20
